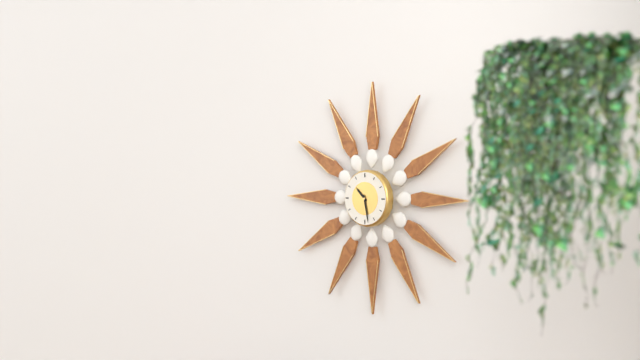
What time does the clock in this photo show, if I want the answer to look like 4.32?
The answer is 10.28
